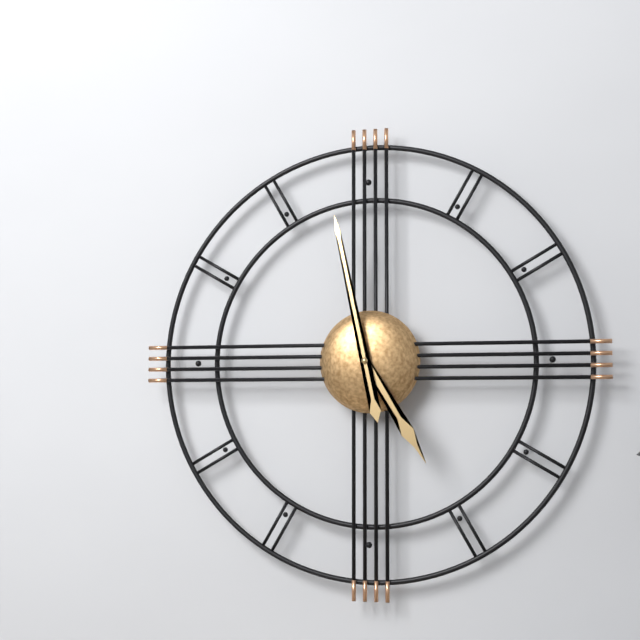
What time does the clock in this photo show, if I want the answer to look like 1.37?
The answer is 4.58
